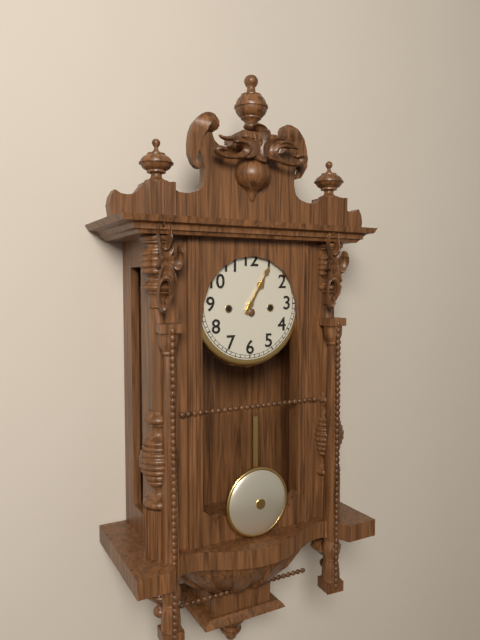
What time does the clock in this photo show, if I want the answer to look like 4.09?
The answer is 1.05
